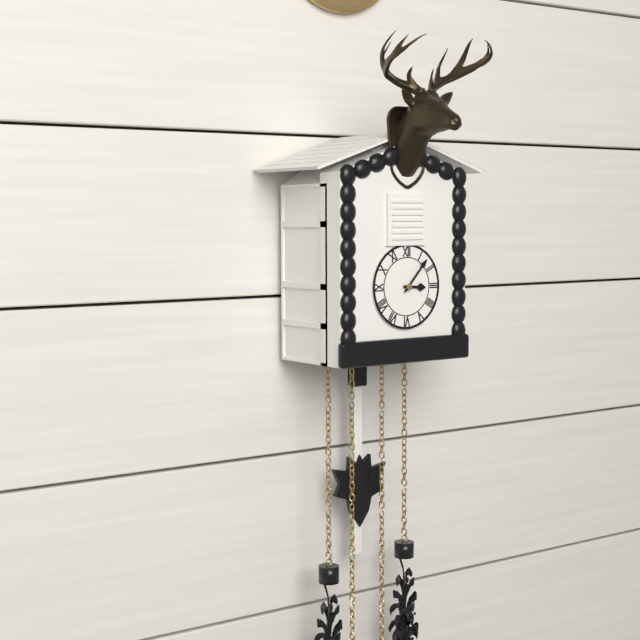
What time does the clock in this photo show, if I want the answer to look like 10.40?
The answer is 3.07
